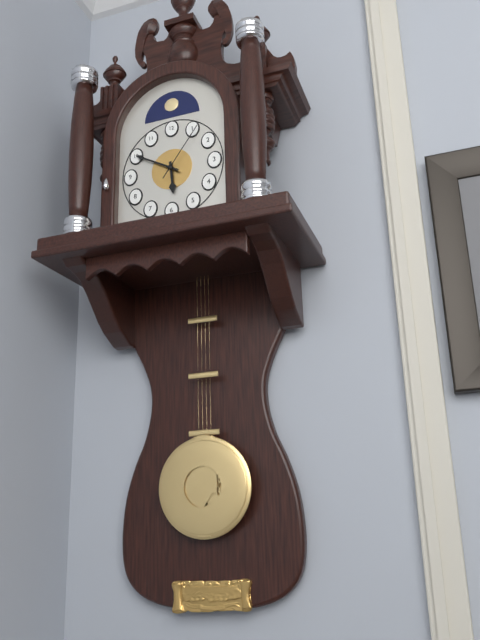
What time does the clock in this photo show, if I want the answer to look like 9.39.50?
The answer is 5.50.06
